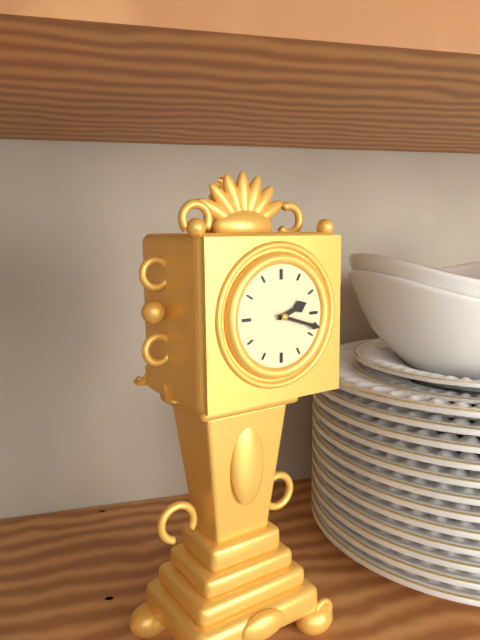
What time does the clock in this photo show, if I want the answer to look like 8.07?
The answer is 2.18
